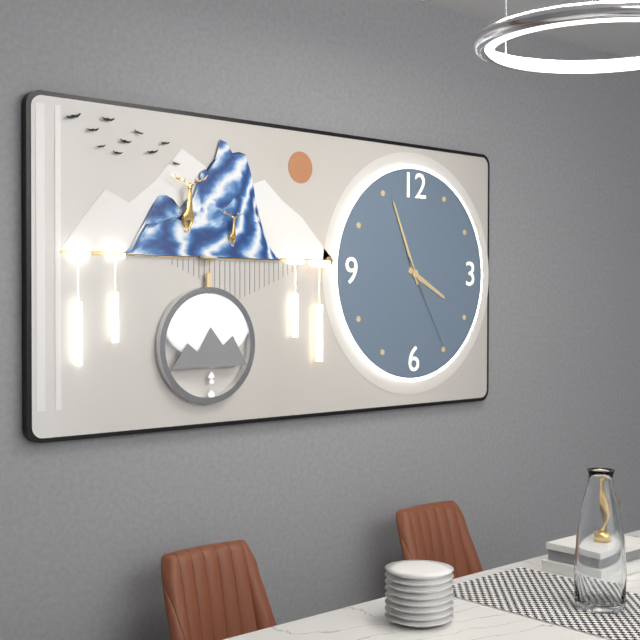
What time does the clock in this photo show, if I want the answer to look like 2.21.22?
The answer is 3.56.25
